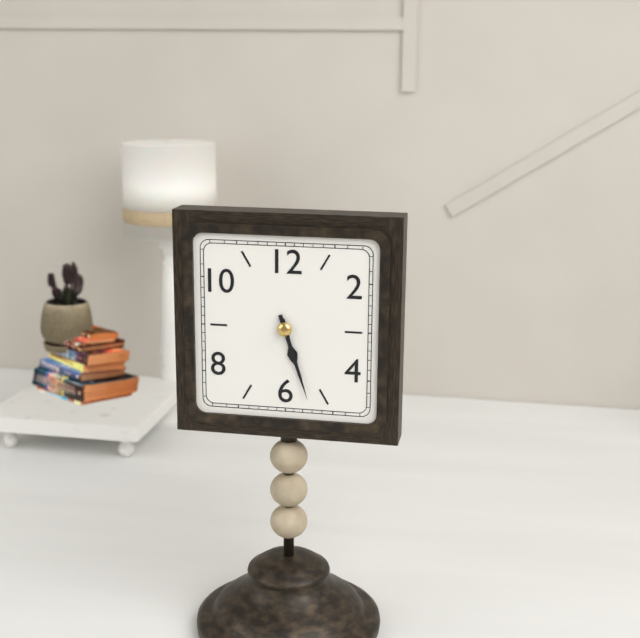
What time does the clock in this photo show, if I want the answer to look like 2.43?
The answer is 5.27
